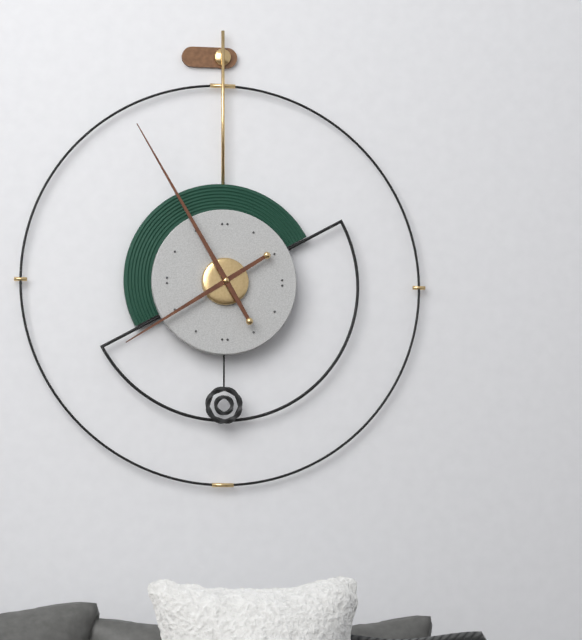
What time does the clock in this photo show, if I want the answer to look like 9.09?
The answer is 7.55
